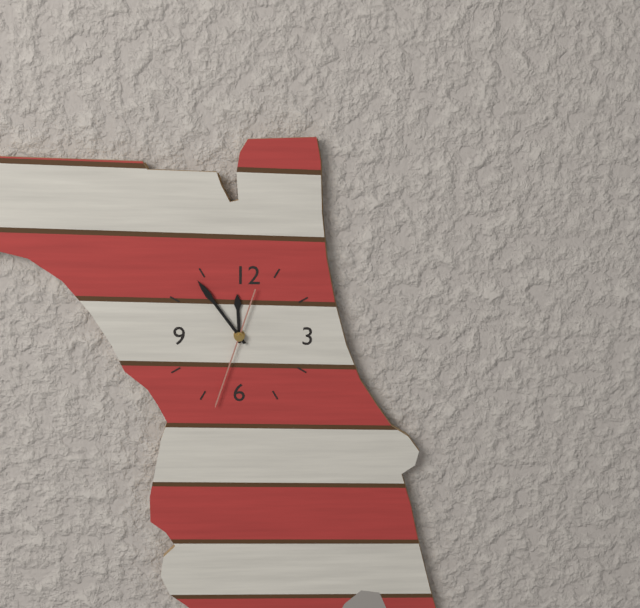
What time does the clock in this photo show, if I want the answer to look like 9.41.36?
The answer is 11.54.33
